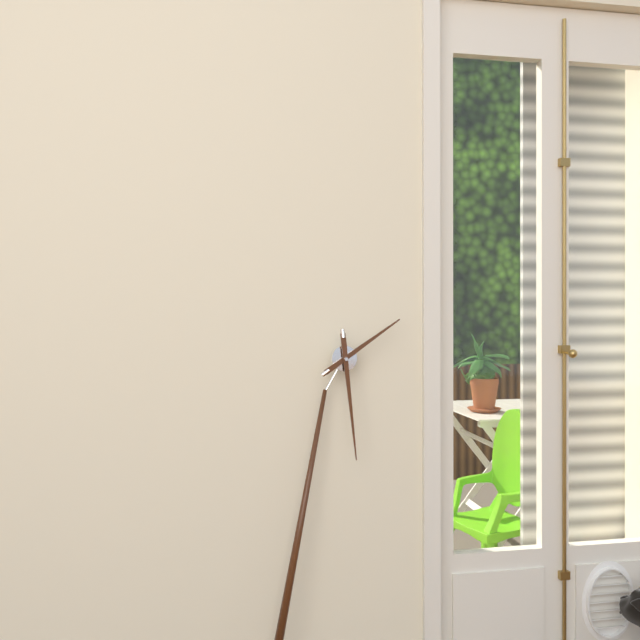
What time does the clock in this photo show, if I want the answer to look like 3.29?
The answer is 1.27
